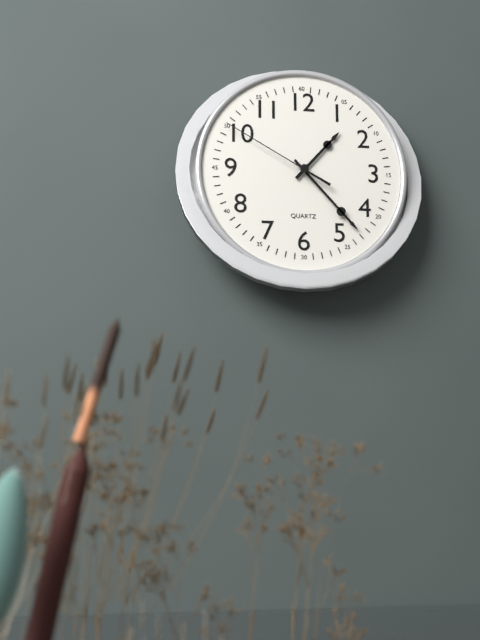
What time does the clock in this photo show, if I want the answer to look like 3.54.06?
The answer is 1.23.50
